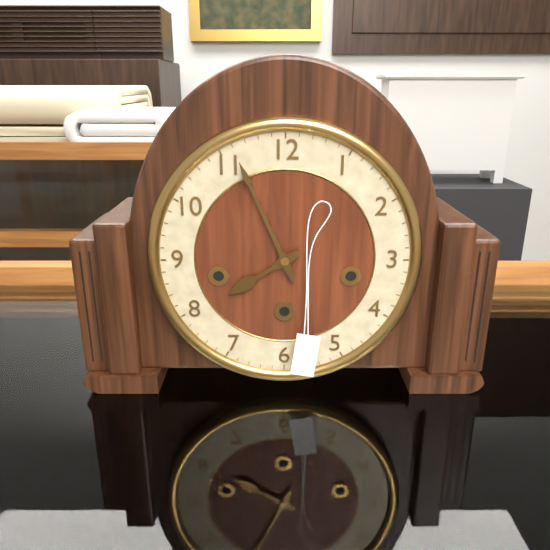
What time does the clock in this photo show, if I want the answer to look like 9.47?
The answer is 7.56
